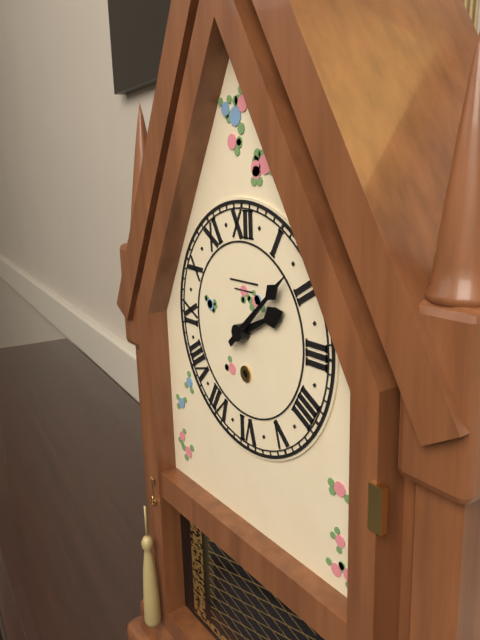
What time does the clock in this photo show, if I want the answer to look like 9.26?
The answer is 2.08
